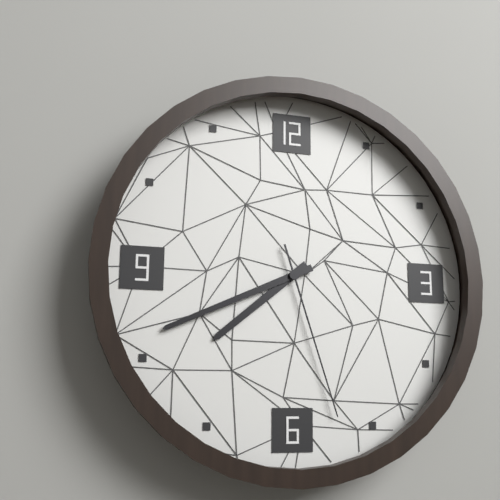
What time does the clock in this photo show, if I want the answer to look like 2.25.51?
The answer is 7.41.27
